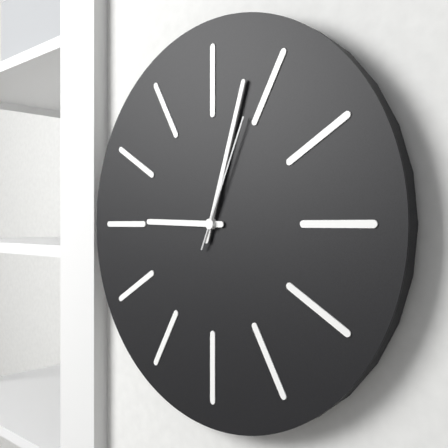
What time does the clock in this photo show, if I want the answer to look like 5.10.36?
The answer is 9.03.04
